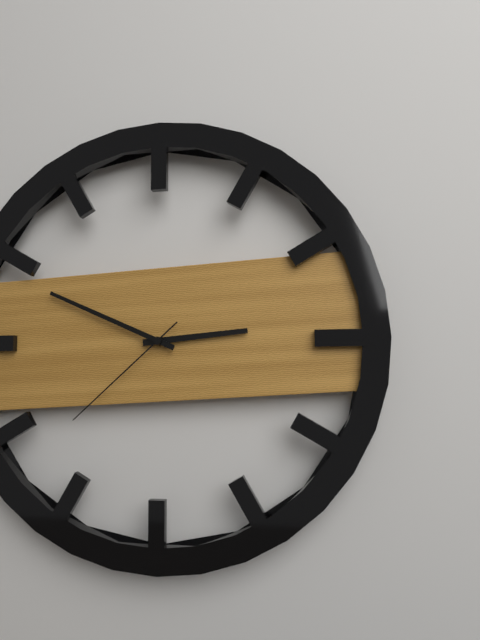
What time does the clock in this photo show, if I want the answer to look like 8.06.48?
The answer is 2.49.38
